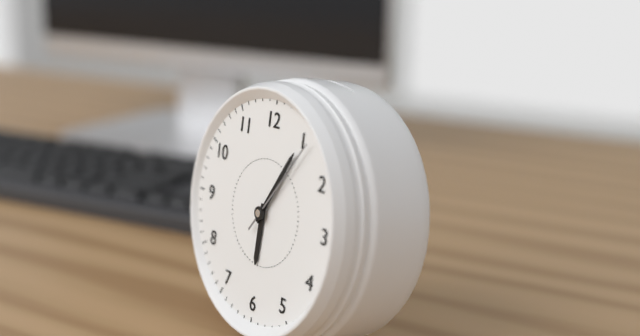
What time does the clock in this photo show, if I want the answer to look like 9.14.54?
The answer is 6.05.06
